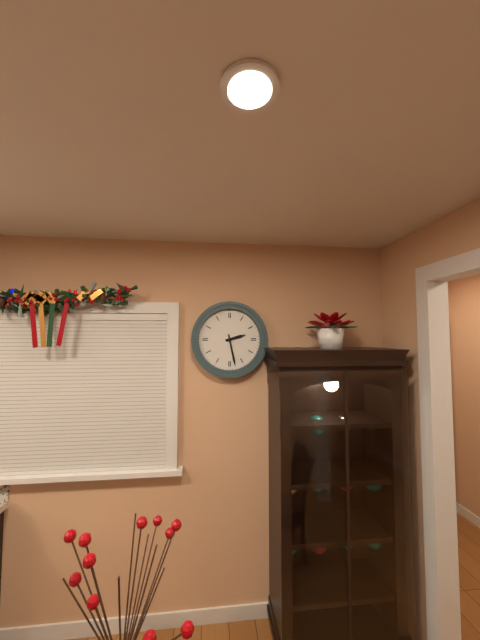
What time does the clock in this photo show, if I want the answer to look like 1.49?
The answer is 2.28
